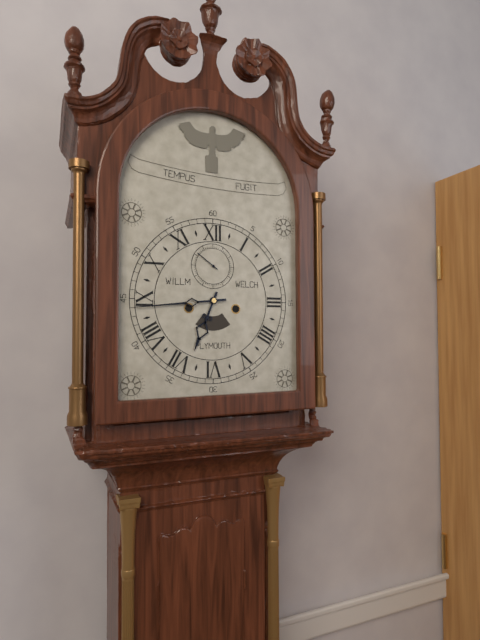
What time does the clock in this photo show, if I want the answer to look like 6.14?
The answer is 6.44
